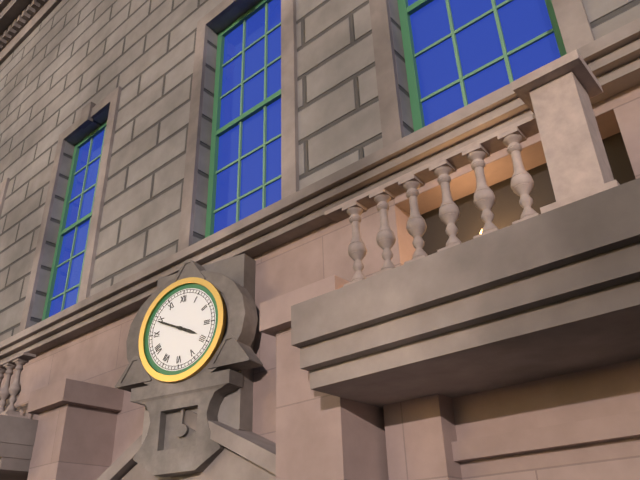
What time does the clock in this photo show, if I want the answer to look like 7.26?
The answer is 3.49
